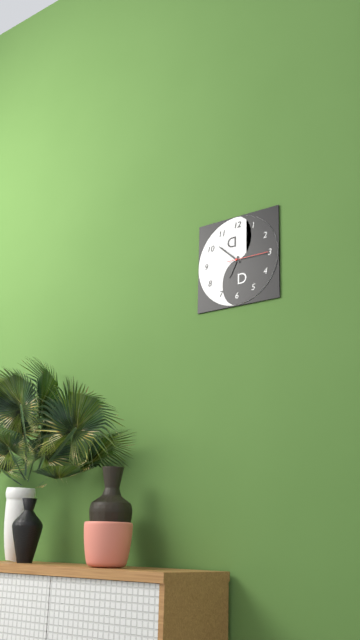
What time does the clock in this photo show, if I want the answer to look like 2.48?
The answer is 6.52
